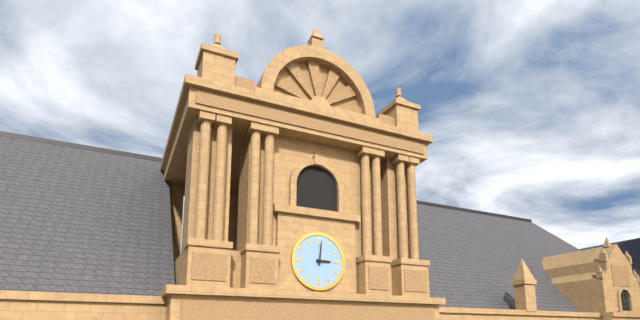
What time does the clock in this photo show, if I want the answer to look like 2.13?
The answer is 3.01
